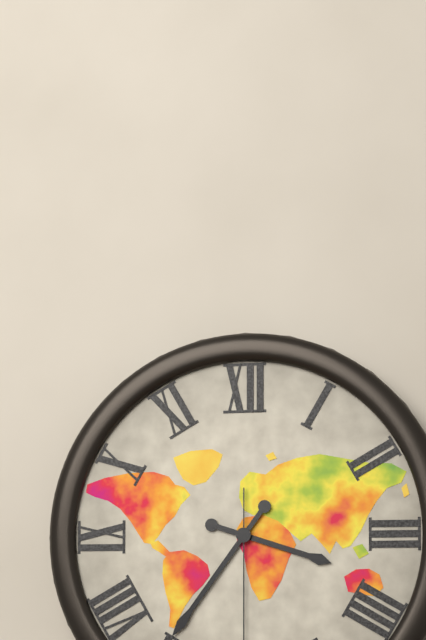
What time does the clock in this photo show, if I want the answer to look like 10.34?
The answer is 3.36
